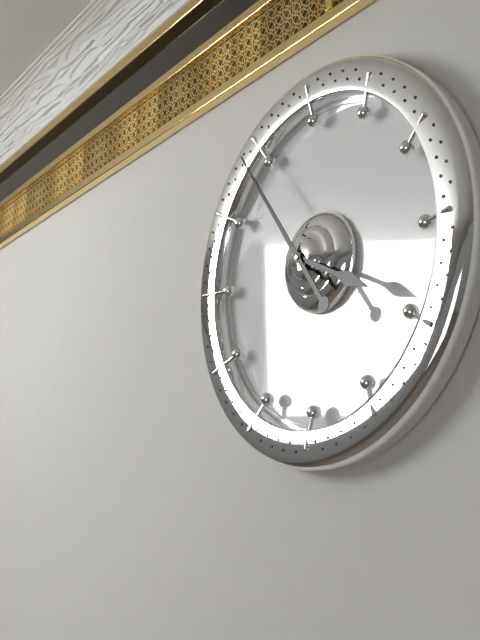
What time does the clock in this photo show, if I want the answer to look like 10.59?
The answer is 3.54
